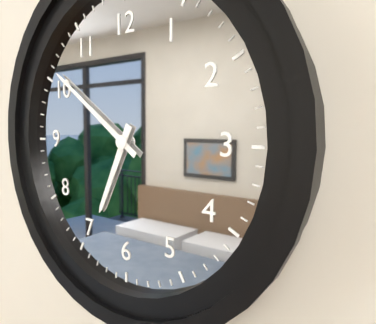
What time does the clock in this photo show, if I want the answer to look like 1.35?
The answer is 6.51
